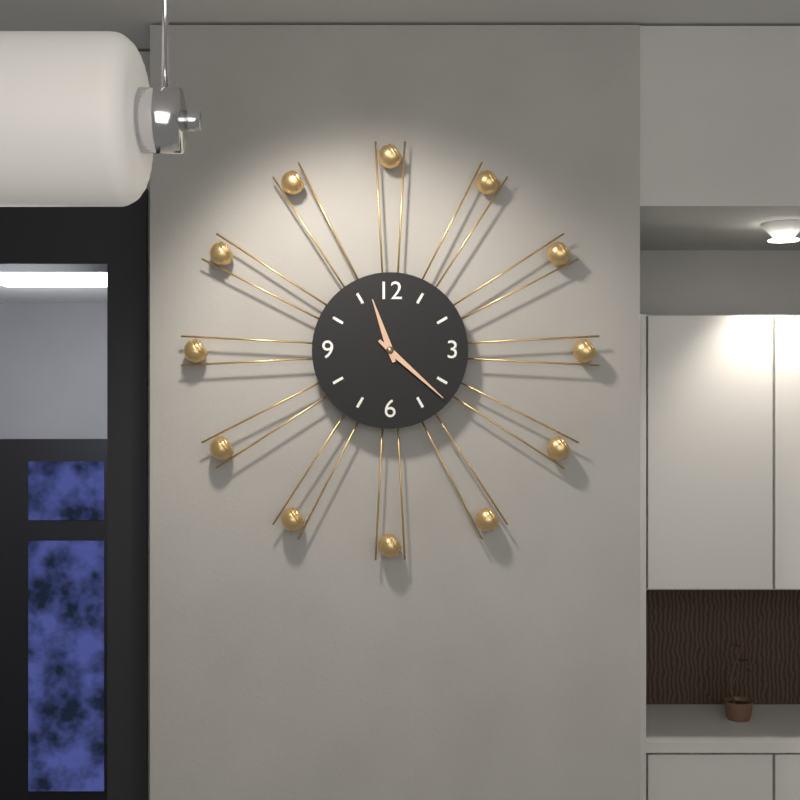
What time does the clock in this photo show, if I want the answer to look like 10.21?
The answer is 11.22
